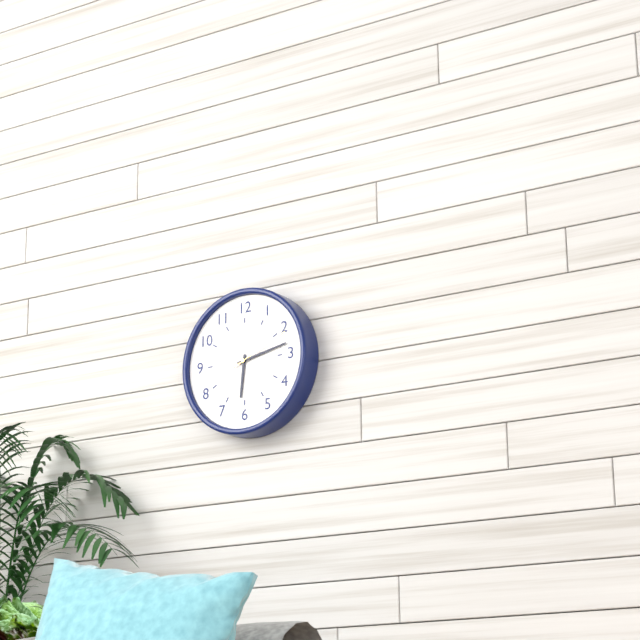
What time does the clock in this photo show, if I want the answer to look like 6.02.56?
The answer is 6.13.11
